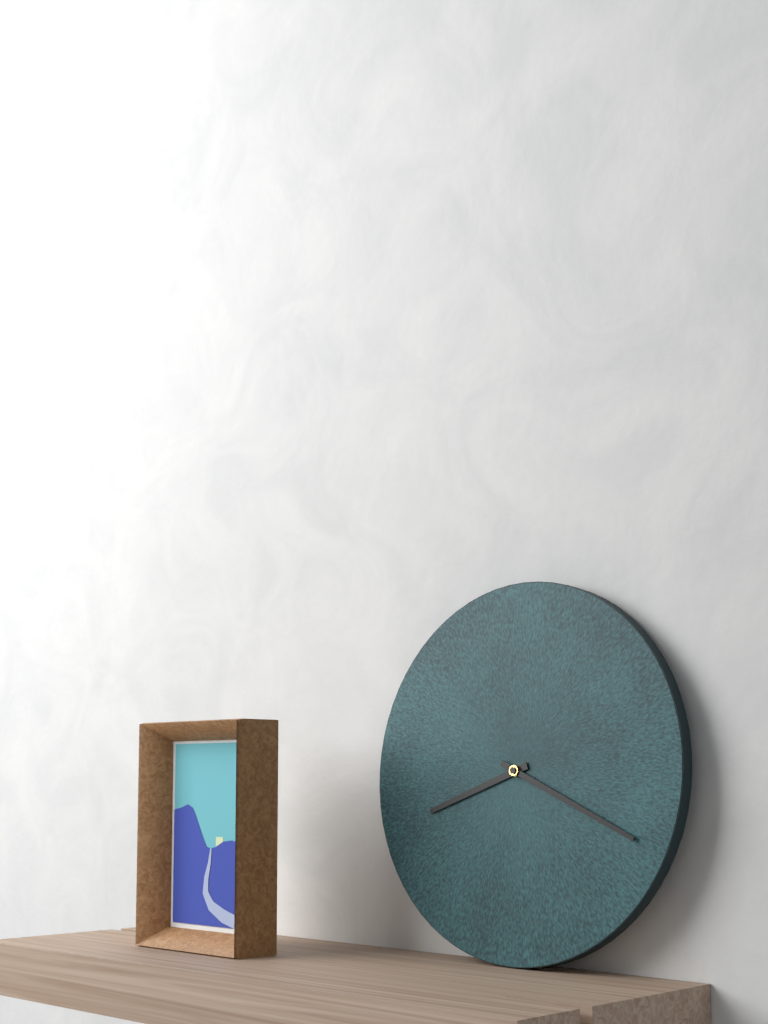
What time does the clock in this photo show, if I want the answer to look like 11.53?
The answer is 8.19
